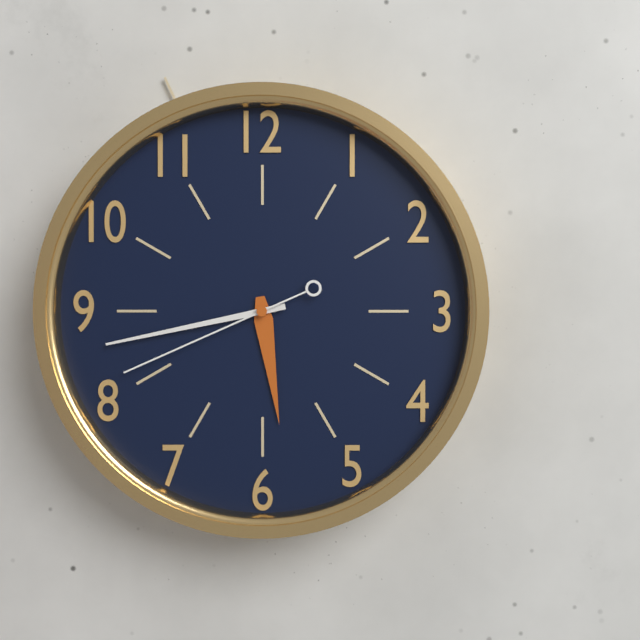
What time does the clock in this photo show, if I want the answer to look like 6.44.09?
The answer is 5.43.41
